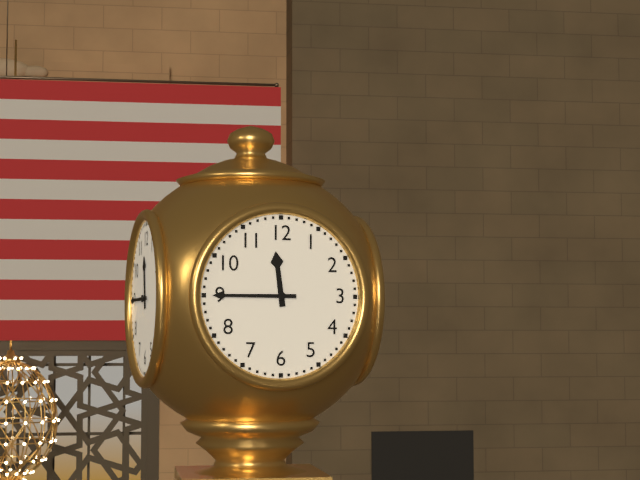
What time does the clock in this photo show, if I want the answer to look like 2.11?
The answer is 11.45
